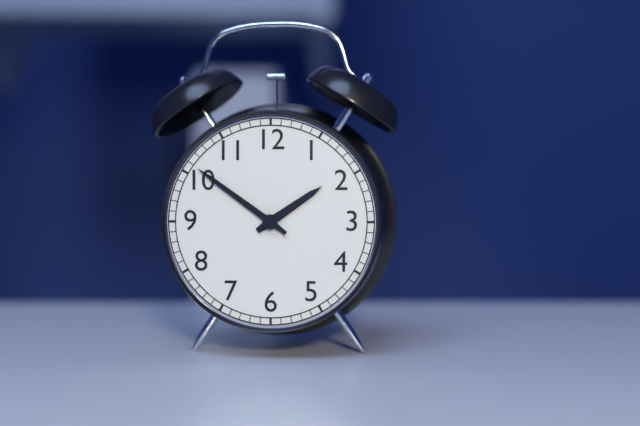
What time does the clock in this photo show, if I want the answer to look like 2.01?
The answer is 1.51
